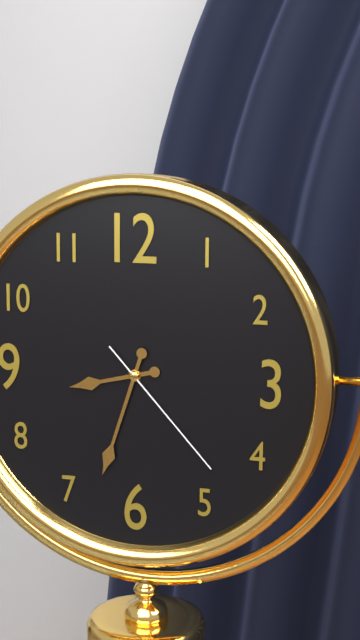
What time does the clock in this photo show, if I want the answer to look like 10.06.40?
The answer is 8.33.23
